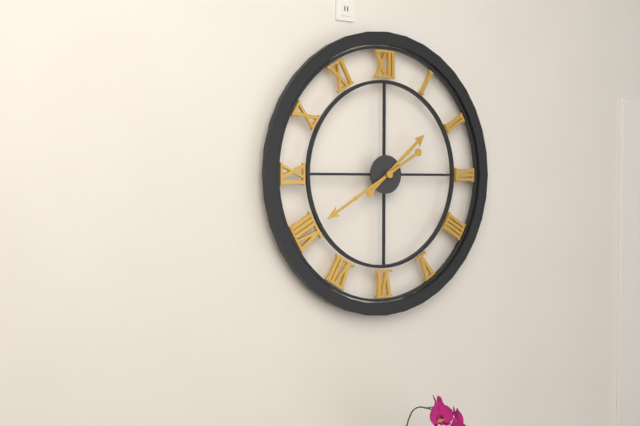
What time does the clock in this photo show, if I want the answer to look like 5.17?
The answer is 1.40
